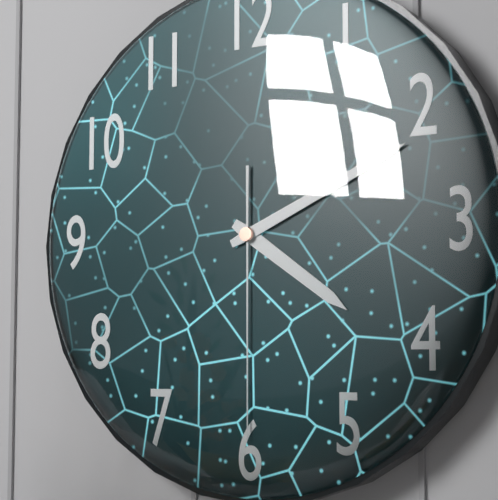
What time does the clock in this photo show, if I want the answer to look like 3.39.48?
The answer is 4.11.30
